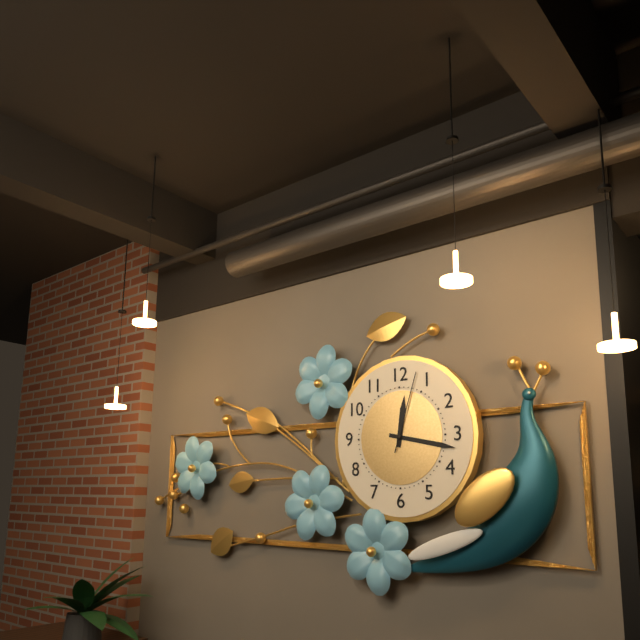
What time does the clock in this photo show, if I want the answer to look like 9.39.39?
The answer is 12.17.03
